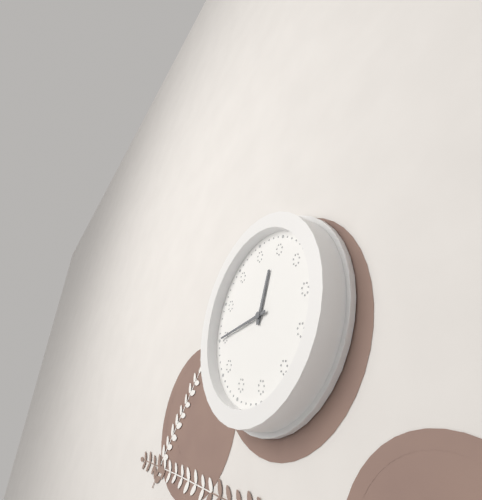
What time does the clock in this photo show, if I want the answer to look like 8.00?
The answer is 12.45
